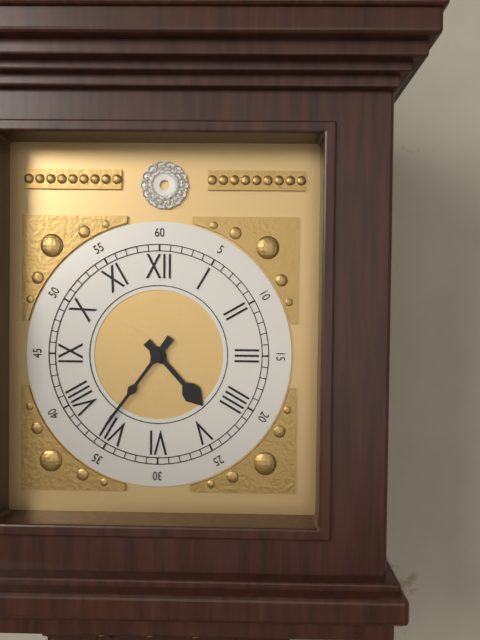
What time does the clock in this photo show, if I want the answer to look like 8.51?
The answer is 4.36
